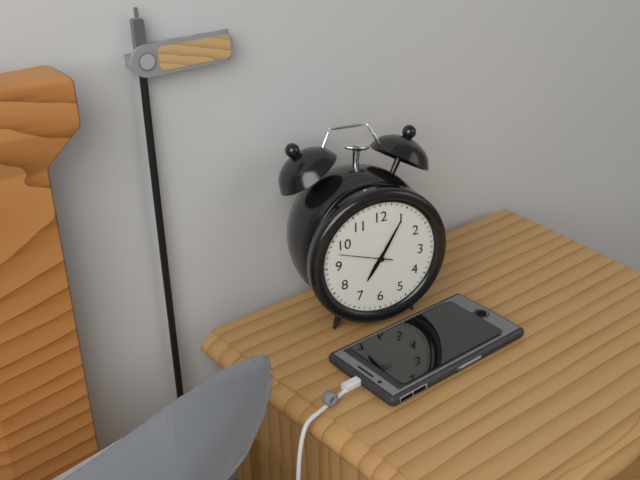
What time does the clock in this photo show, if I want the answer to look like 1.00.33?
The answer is 7.05.48
